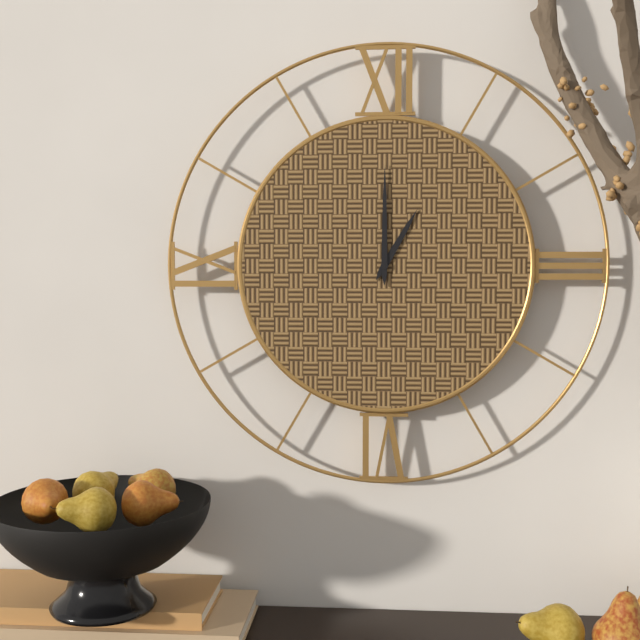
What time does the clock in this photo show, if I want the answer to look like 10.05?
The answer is 1.00
